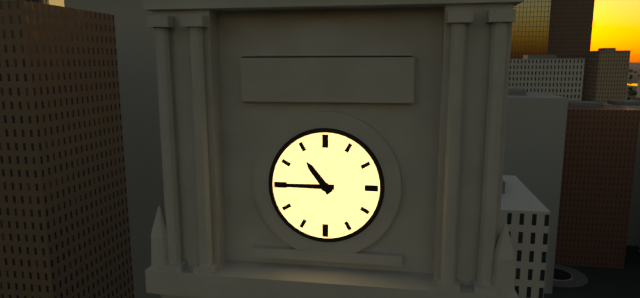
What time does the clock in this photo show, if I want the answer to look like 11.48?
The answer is 10.45
